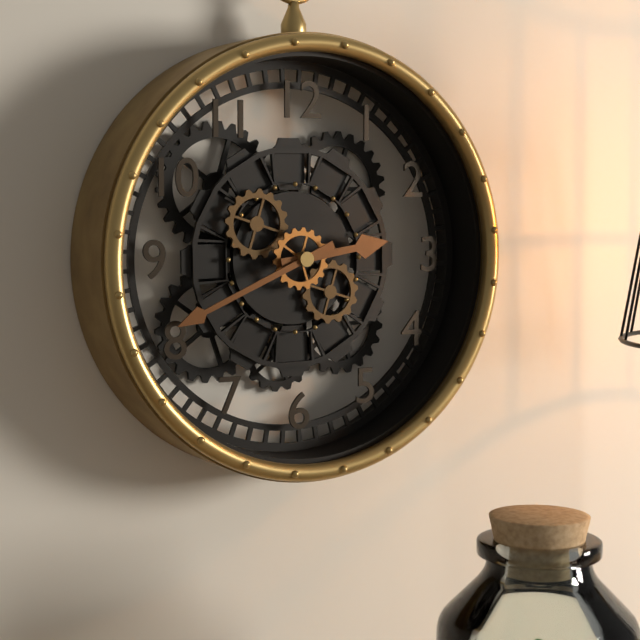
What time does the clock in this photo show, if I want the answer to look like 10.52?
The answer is 2.41
